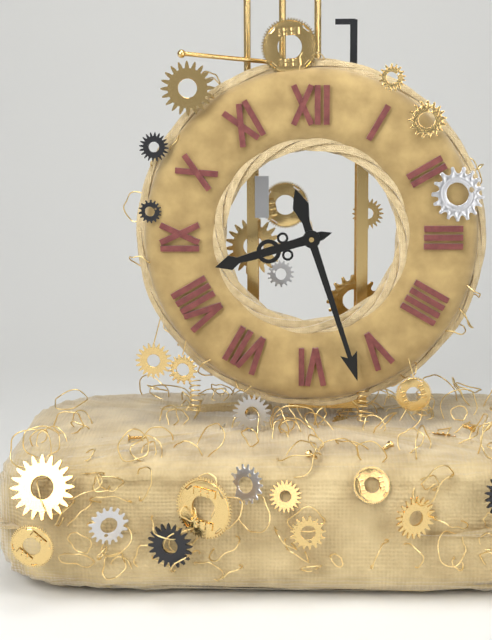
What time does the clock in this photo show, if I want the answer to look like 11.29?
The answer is 8.27
